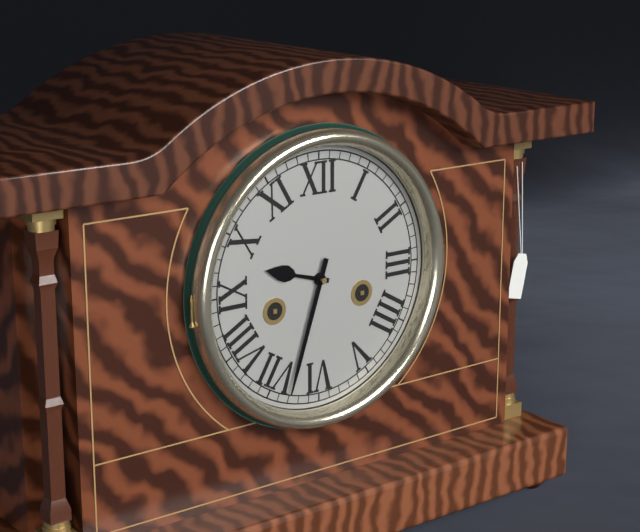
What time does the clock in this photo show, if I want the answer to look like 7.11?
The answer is 9.33
